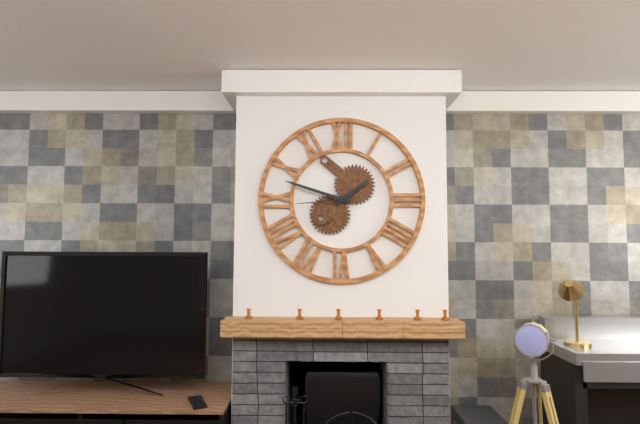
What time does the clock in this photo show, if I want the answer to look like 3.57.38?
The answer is 1.48.44
